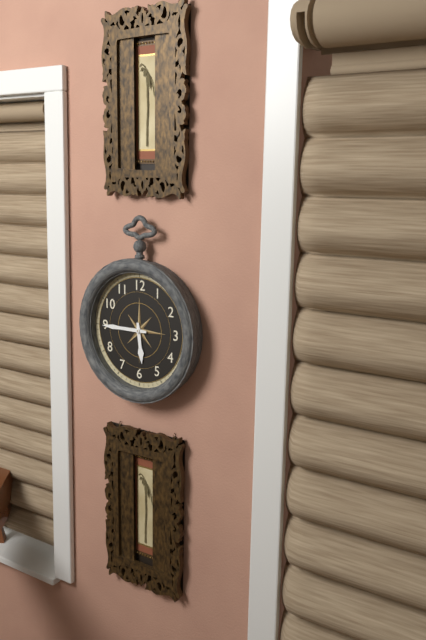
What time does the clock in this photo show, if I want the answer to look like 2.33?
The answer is 5.45
